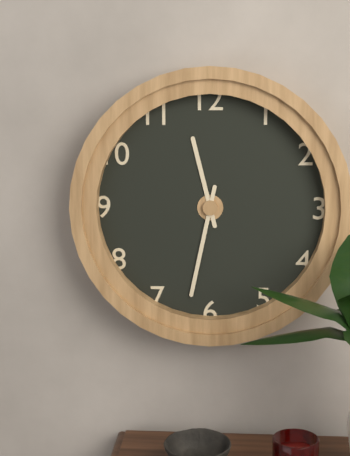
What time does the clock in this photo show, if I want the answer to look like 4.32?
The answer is 11.32
